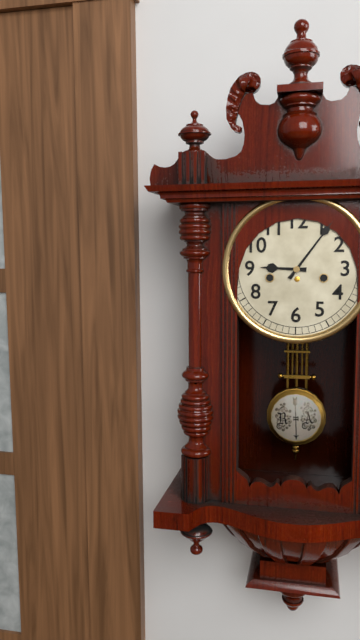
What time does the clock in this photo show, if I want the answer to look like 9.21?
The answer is 9.06
